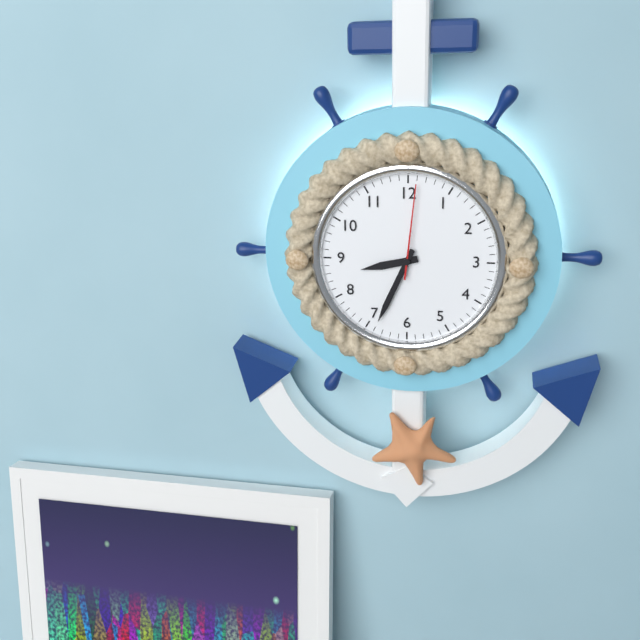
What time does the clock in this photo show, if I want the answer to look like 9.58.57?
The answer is 8.34.01
